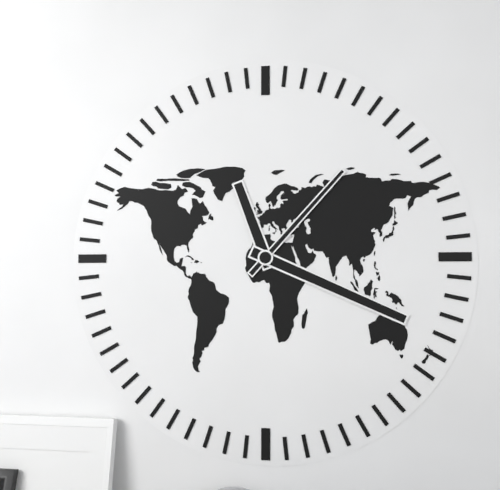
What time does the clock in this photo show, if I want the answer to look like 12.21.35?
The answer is 11.19.07
